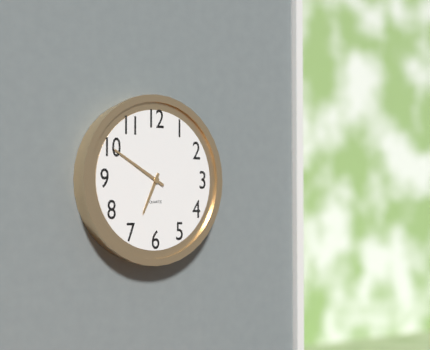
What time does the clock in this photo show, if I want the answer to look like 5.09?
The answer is 6.50
